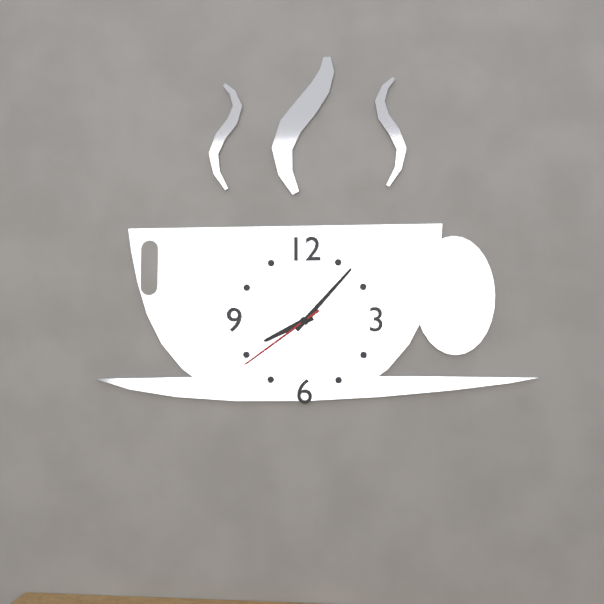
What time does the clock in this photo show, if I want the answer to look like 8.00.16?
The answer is 8.07.39
